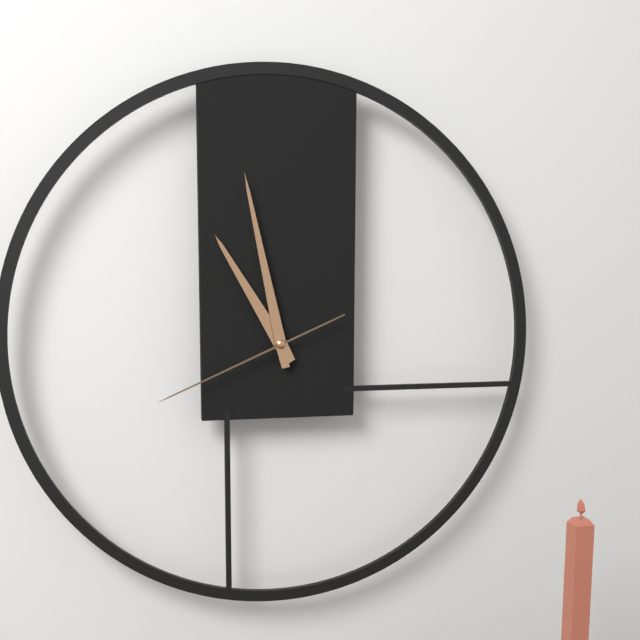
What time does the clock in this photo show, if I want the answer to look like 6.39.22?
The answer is 10.58.41
